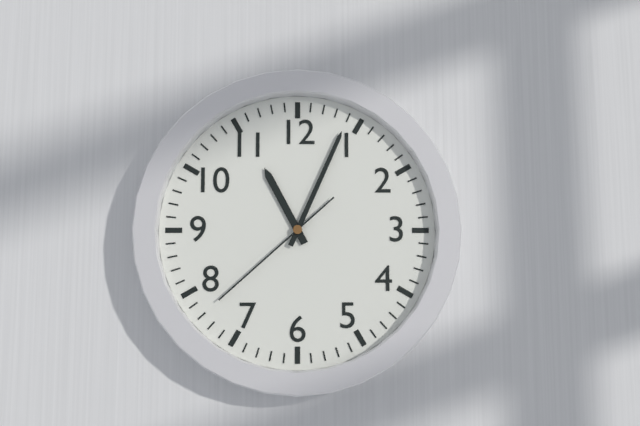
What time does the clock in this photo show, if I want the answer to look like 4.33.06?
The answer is 11.04.38
